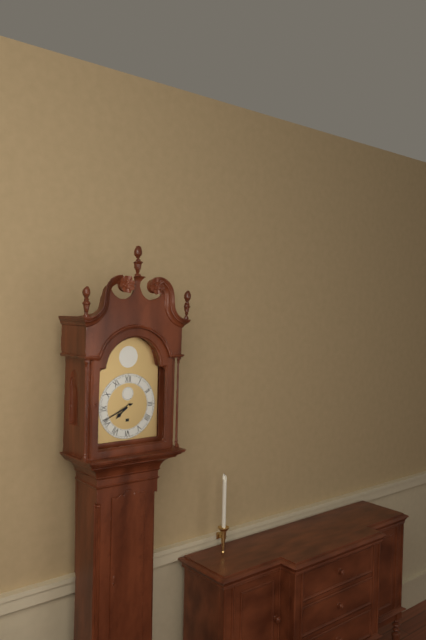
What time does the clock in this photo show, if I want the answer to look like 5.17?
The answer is 7.41
